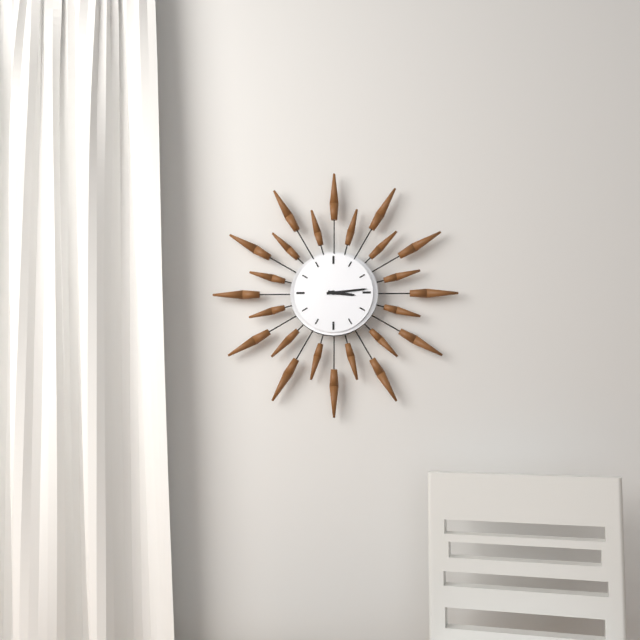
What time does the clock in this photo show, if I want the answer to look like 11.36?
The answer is 3.14
